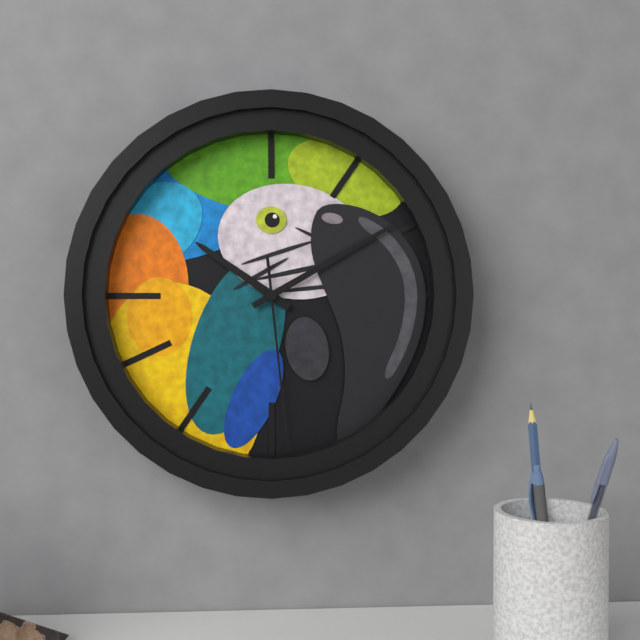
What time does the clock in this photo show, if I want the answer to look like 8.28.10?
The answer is 10.10.29
